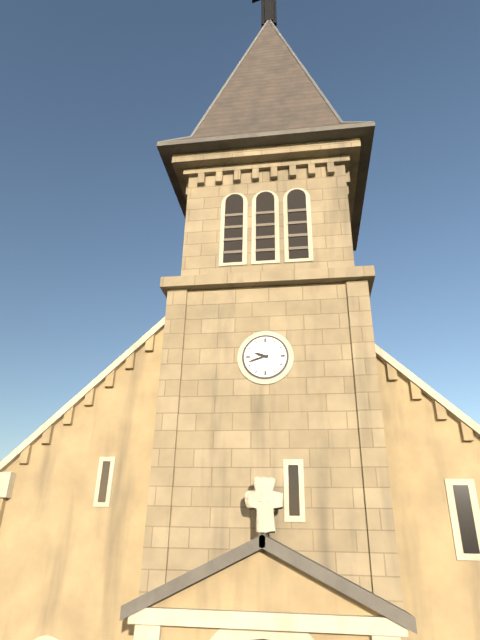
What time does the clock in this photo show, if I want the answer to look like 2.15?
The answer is 9.42
